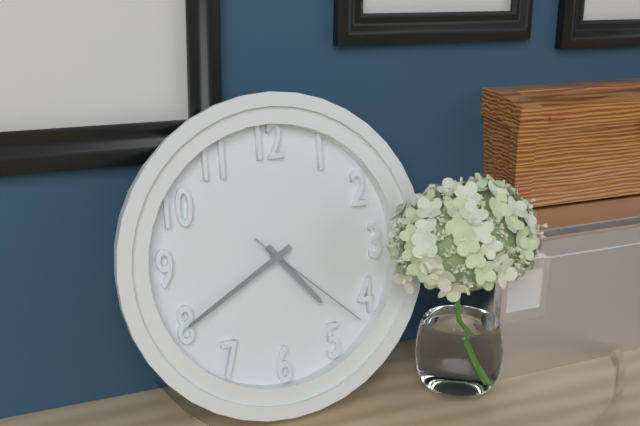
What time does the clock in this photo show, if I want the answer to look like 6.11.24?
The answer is 4.40.22
